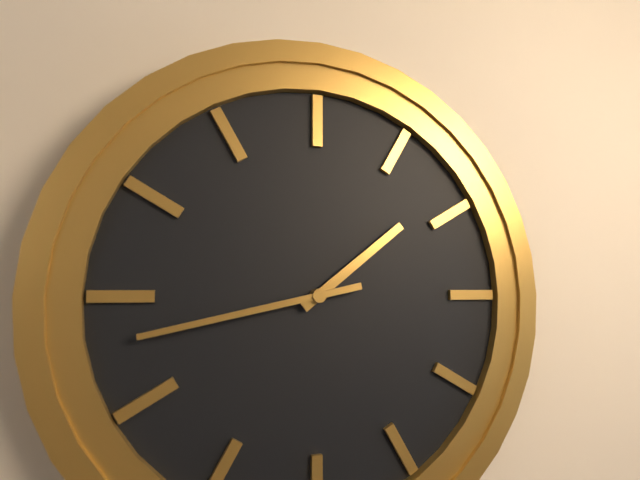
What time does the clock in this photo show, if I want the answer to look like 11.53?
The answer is 1.43
